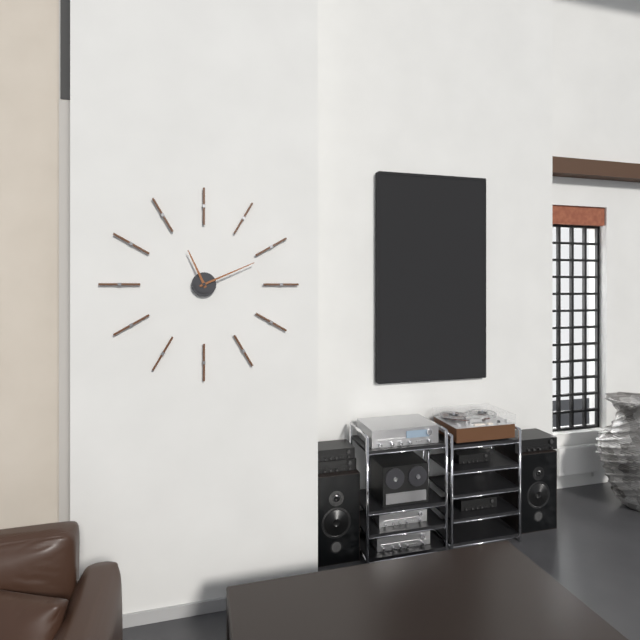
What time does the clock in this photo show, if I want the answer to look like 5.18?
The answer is 11.11
